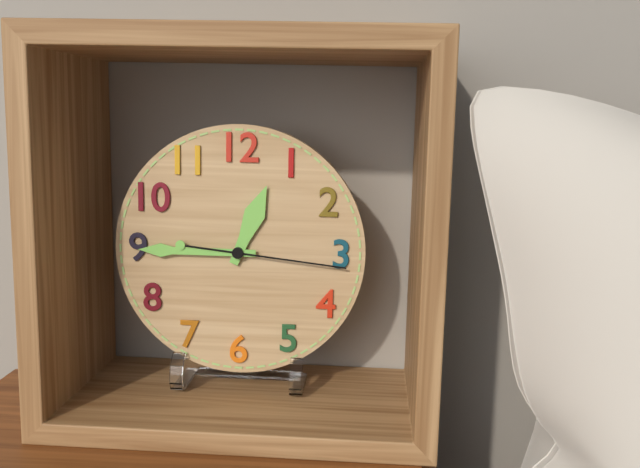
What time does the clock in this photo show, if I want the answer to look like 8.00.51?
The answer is 12.45.16
